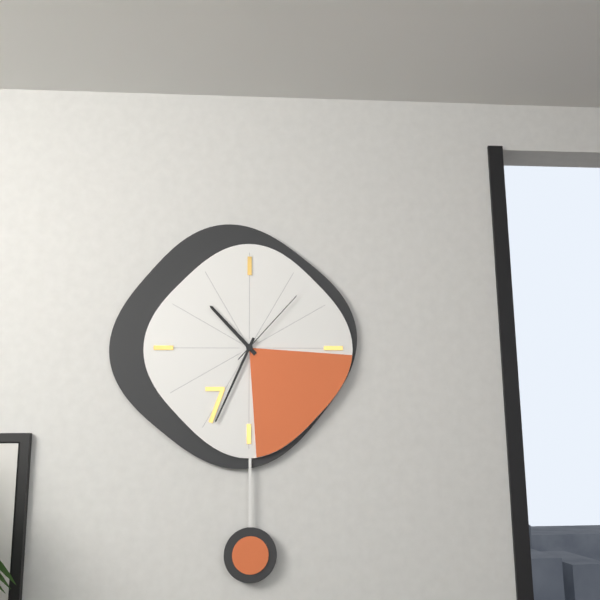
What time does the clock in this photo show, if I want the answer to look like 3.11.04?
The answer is 10.34.07
